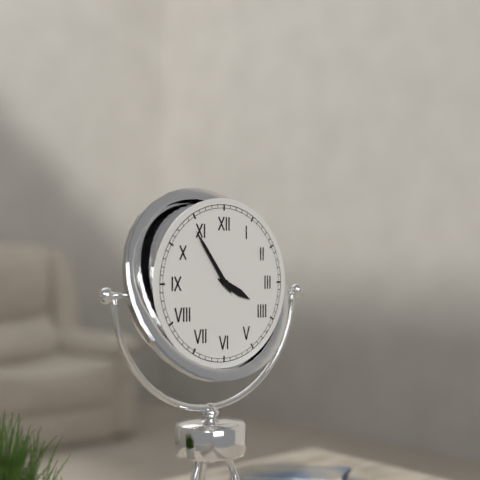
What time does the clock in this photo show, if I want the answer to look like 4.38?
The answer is 3.54
